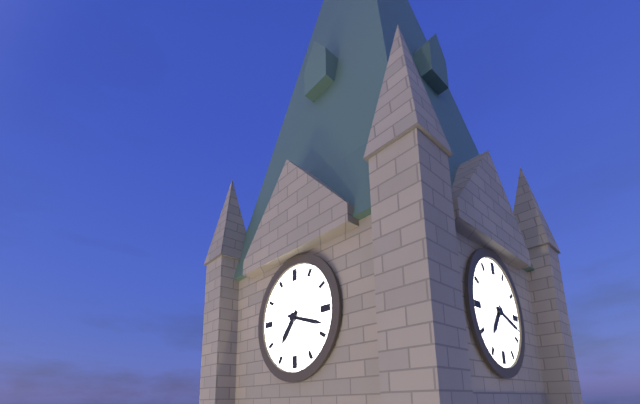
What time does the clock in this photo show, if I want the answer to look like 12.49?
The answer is 7.18
